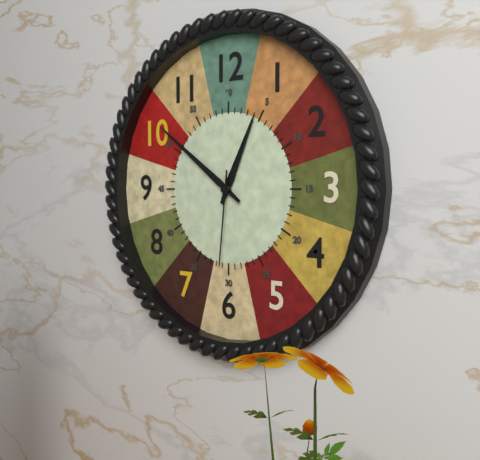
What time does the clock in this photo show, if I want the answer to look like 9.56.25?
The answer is 12.51.31
